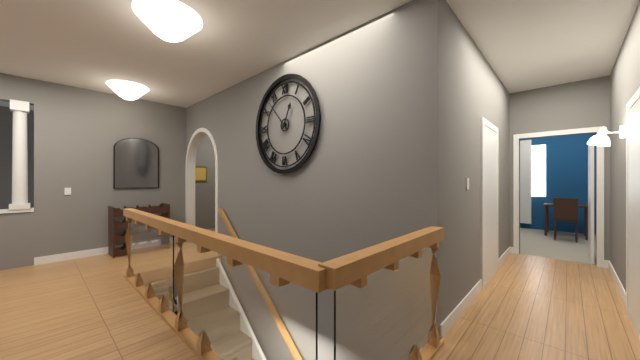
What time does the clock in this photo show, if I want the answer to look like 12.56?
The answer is 12.53
